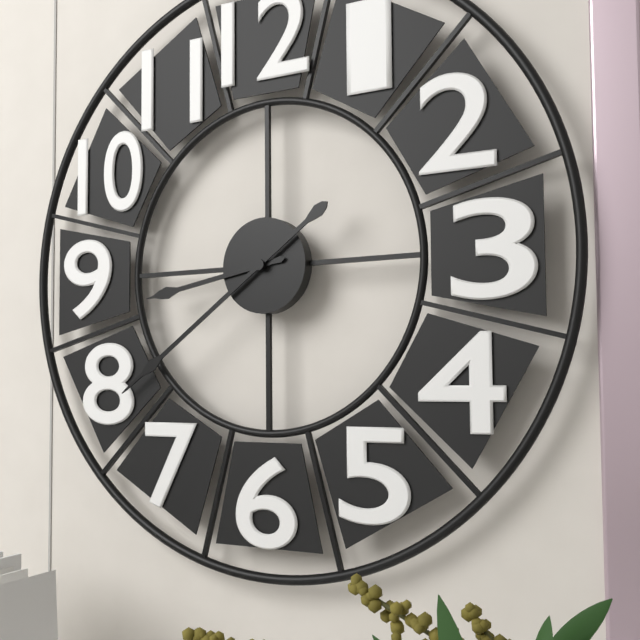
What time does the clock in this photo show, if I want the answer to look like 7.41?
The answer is 8.39
